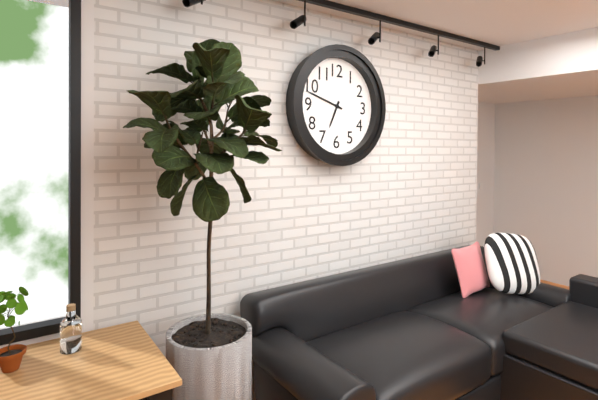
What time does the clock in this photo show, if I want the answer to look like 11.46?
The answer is 6.48
